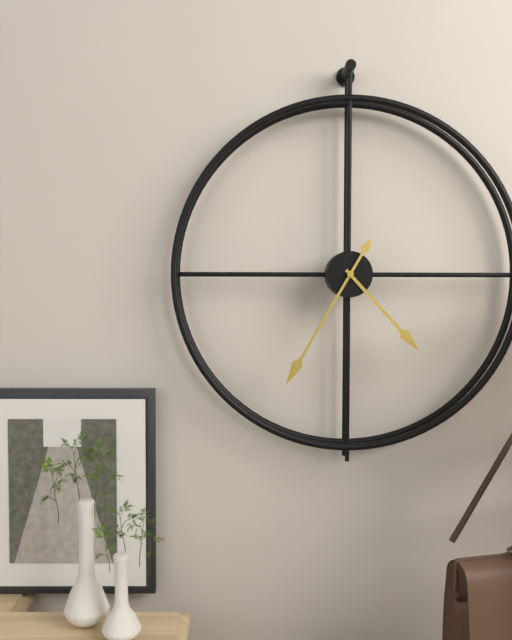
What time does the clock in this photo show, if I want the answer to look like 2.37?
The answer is 4.35
